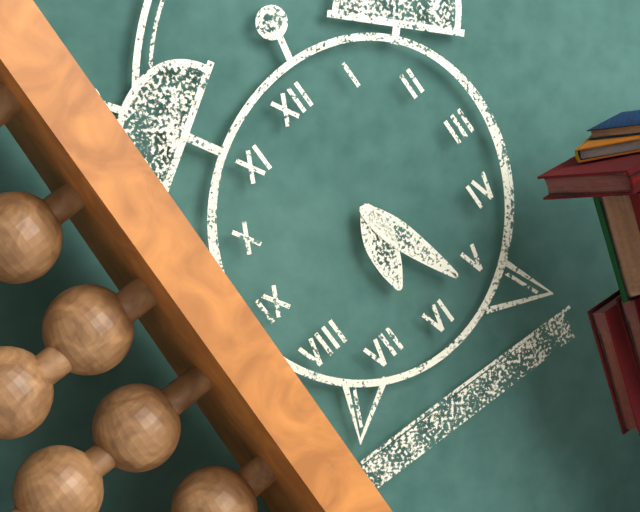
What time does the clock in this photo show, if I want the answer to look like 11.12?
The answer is 6.27
